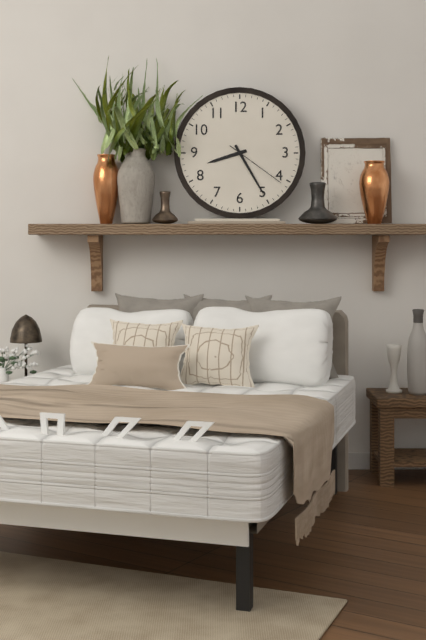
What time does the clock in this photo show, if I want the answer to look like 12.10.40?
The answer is 8.25.21
